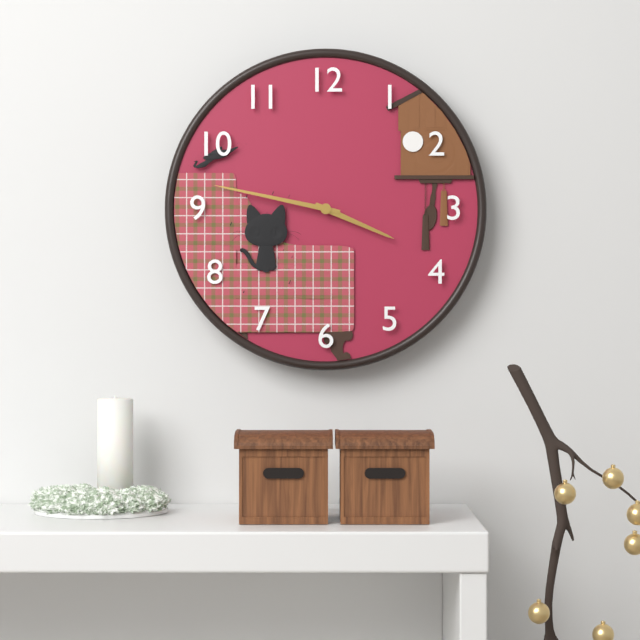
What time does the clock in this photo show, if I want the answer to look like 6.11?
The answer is 3.47
